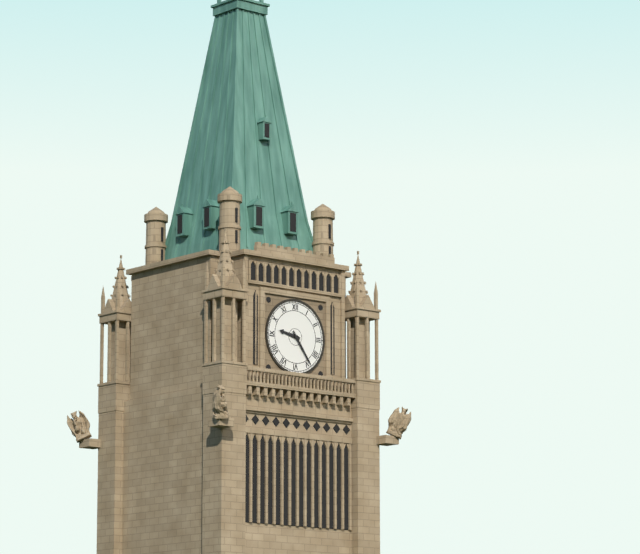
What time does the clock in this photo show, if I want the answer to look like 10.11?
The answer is 9.24
